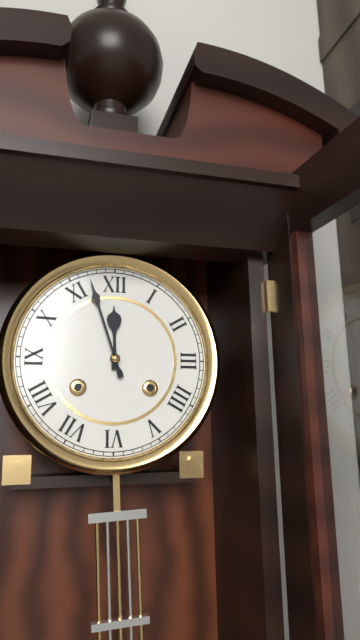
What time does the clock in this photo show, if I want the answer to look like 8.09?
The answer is 11.57
